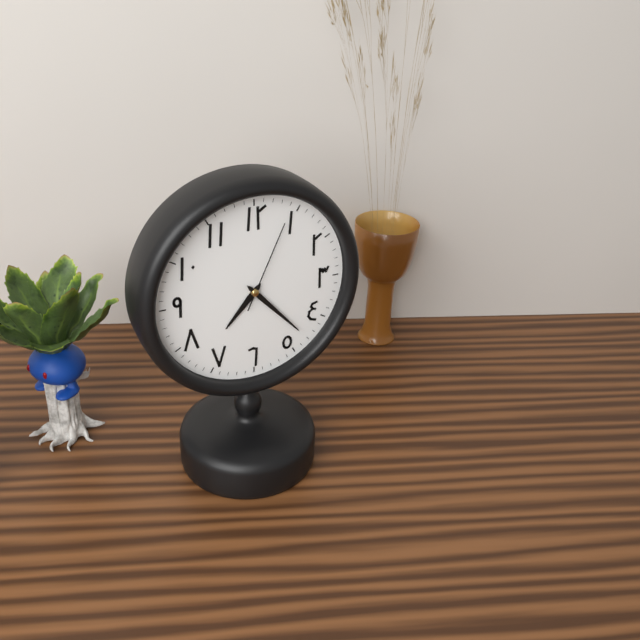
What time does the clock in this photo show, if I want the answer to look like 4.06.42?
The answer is 7.23.04
